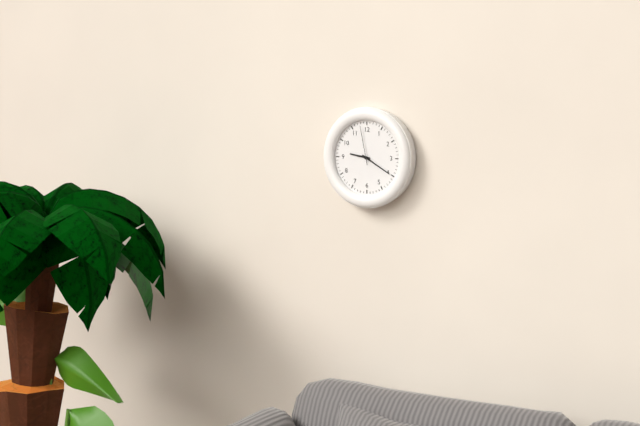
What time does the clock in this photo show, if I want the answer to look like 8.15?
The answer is 9.20
